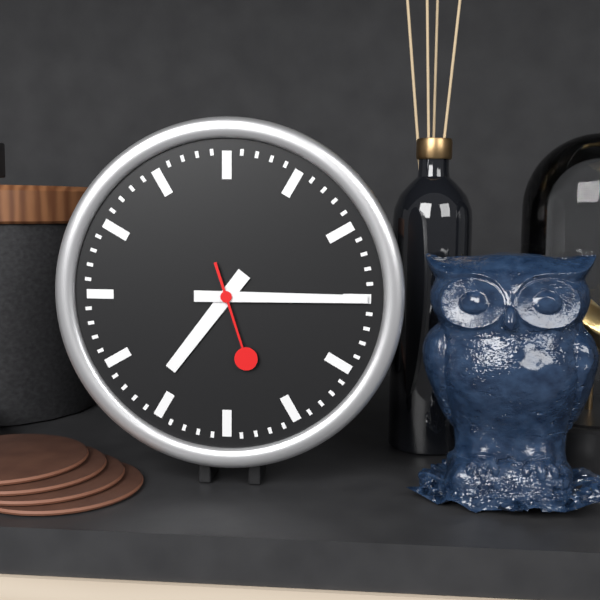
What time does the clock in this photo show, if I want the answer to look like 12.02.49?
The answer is 7.15.27
